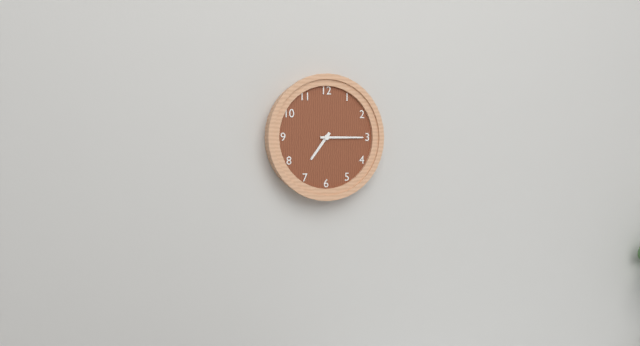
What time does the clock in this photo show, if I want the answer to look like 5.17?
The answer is 7.15
